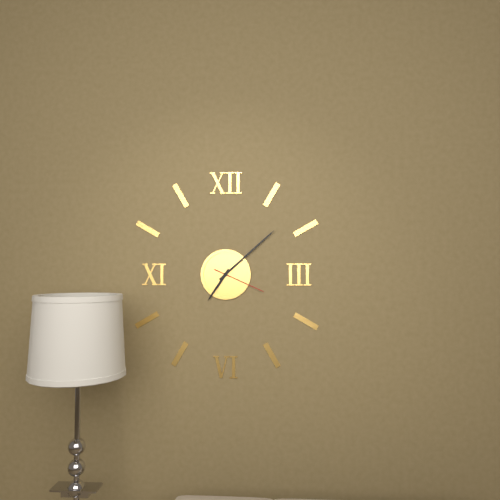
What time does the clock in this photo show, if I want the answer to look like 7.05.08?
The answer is 7.08.19
